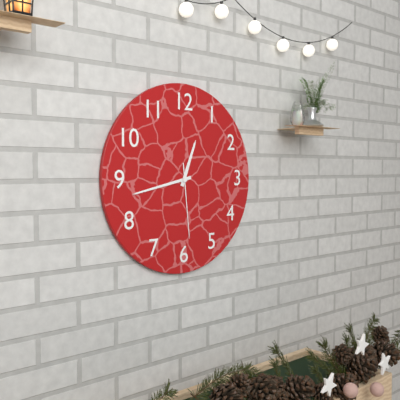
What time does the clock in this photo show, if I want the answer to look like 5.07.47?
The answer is 12.43.29
